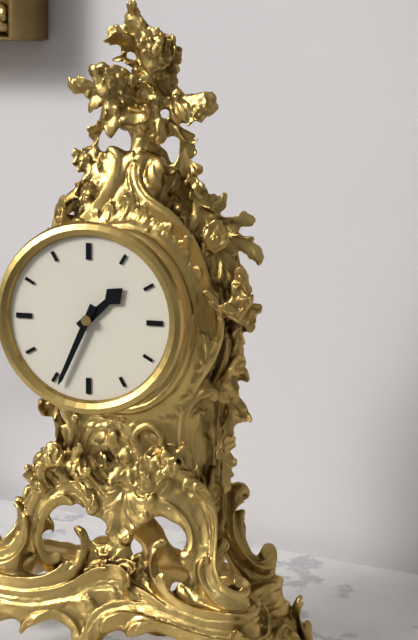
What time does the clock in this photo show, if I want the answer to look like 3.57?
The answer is 1.34
